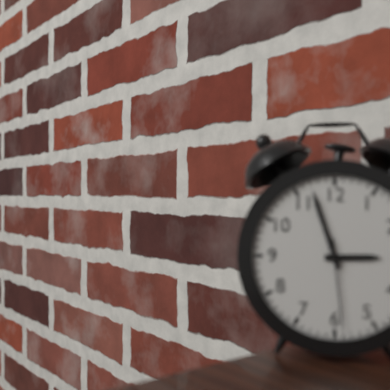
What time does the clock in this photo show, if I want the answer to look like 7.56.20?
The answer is 2.57.29
